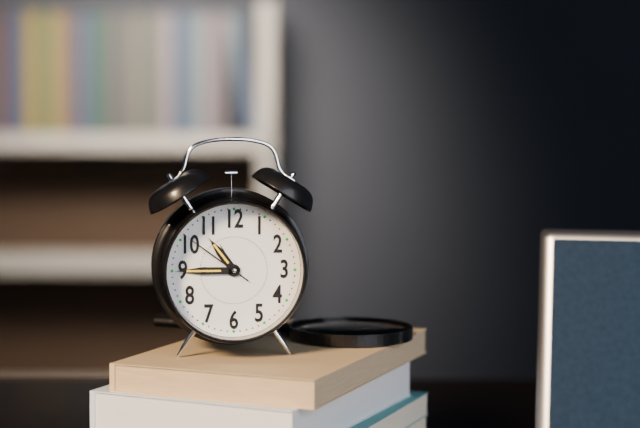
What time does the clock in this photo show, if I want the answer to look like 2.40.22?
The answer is 10.45.51
